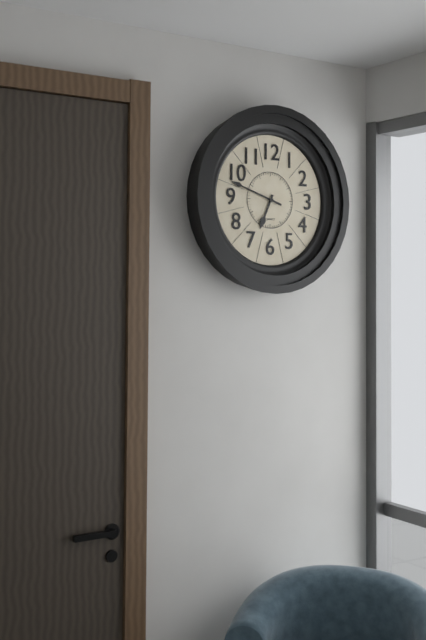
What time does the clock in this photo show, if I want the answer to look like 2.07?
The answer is 6.48
